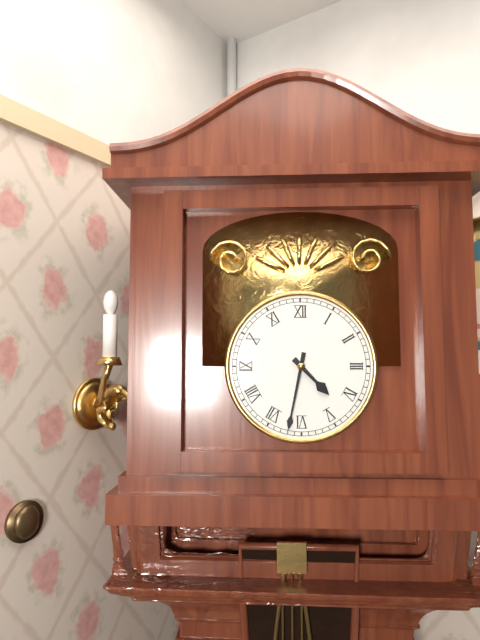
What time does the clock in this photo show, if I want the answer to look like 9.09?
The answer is 4.32
